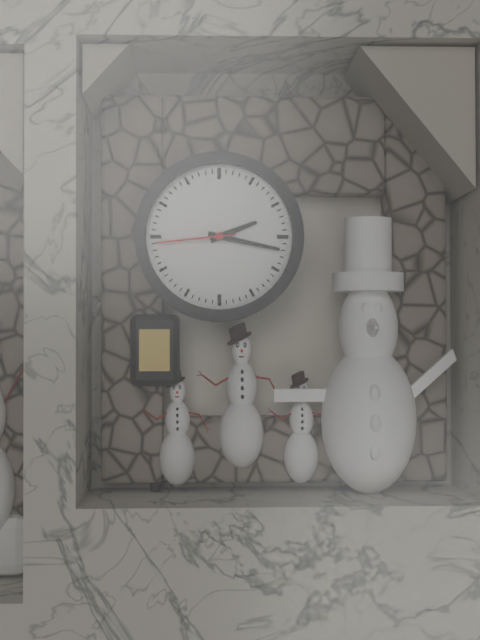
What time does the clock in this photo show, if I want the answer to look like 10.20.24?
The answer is 2.17.44
